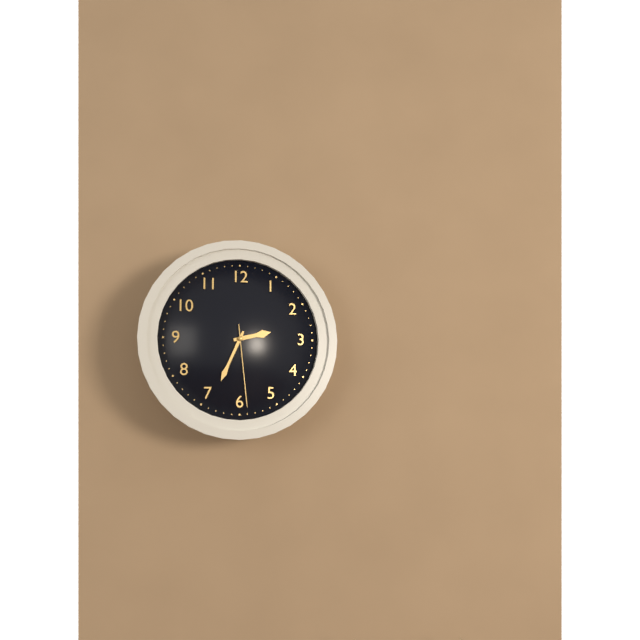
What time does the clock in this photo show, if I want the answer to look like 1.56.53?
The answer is 2.34.29
